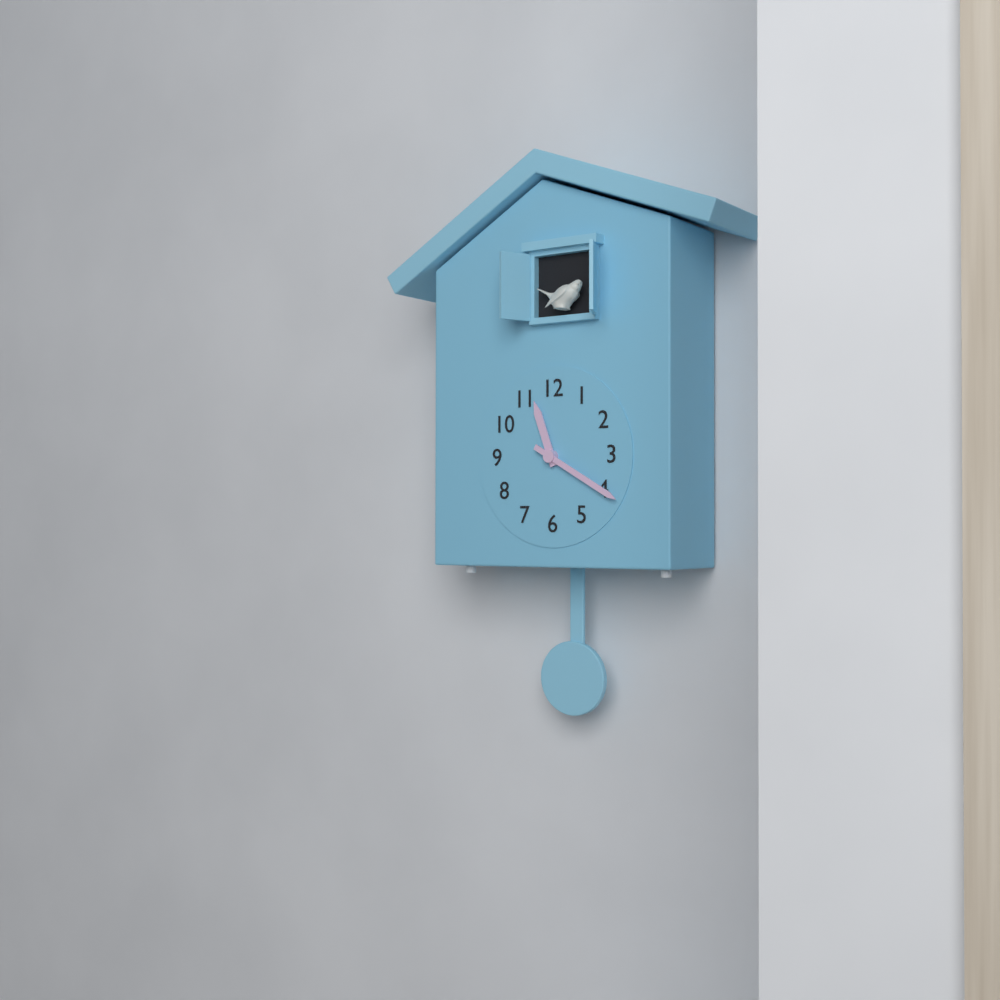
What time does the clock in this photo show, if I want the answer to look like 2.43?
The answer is 11.20
